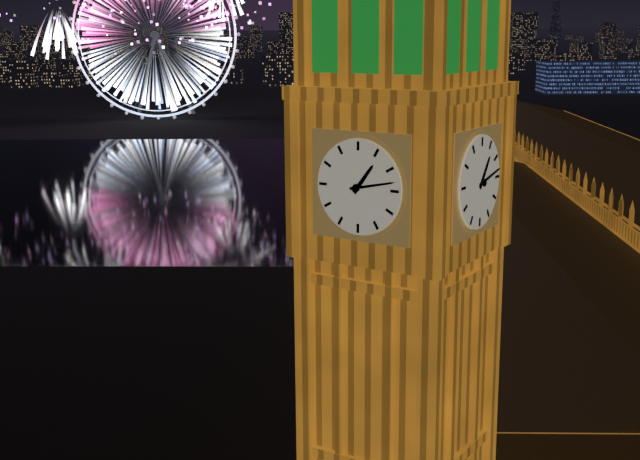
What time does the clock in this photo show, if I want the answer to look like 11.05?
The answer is 1.13
